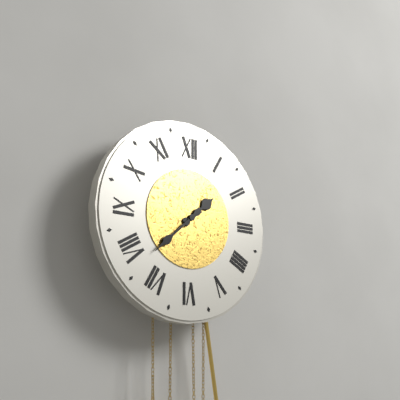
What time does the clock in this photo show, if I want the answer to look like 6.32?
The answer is 1.38
